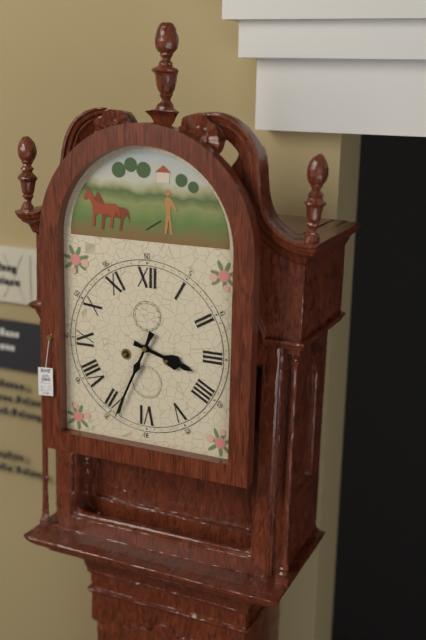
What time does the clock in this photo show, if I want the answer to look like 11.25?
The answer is 3.34
